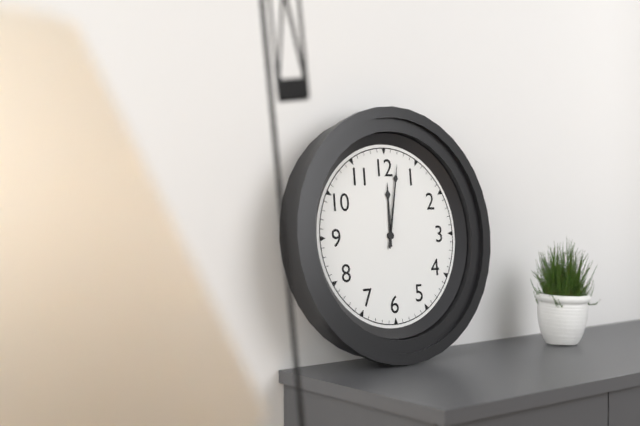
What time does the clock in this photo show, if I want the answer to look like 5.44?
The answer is 12.02
